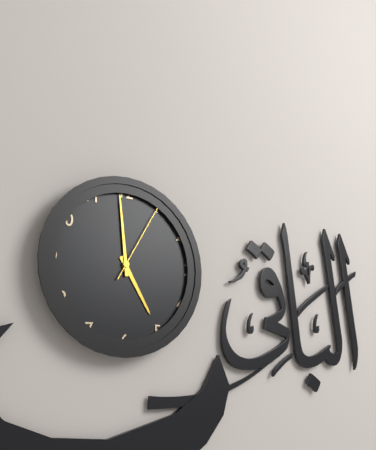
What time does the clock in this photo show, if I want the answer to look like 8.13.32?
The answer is 4.59.05
